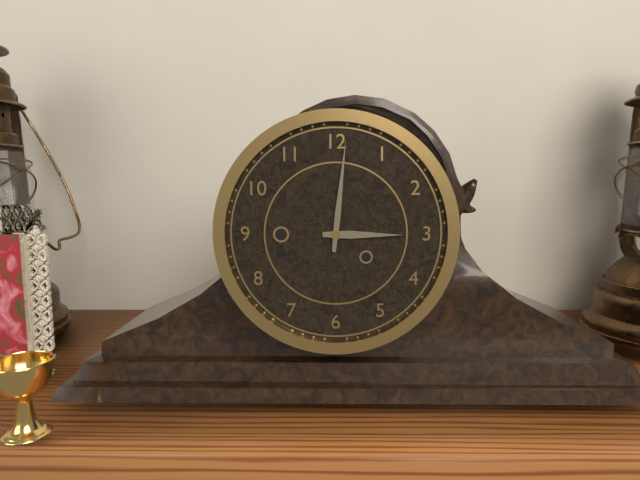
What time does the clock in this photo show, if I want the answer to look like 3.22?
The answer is 3.01
